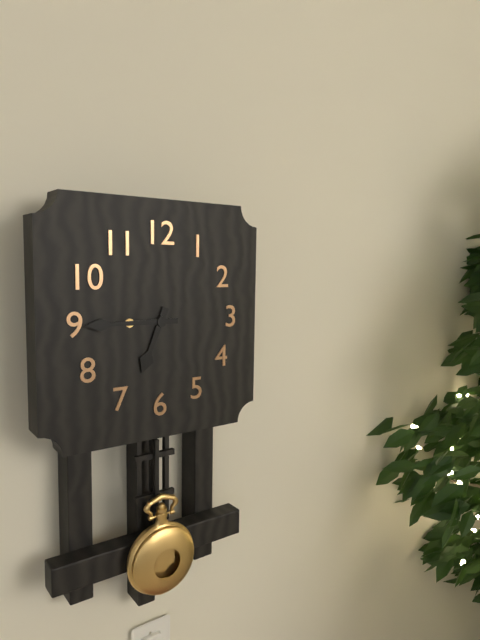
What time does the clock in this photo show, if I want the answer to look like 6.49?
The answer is 6.45
